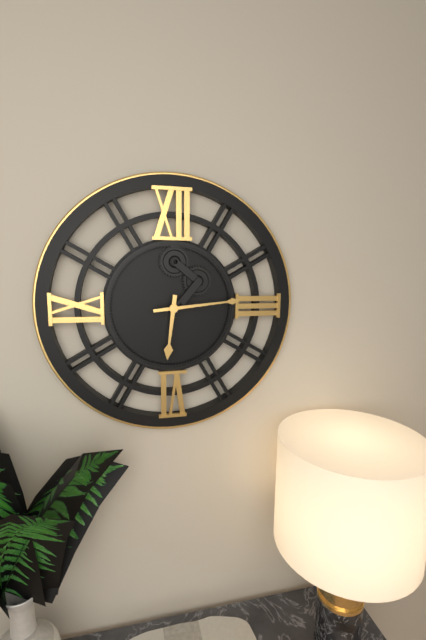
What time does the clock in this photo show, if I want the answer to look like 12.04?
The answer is 6.14
